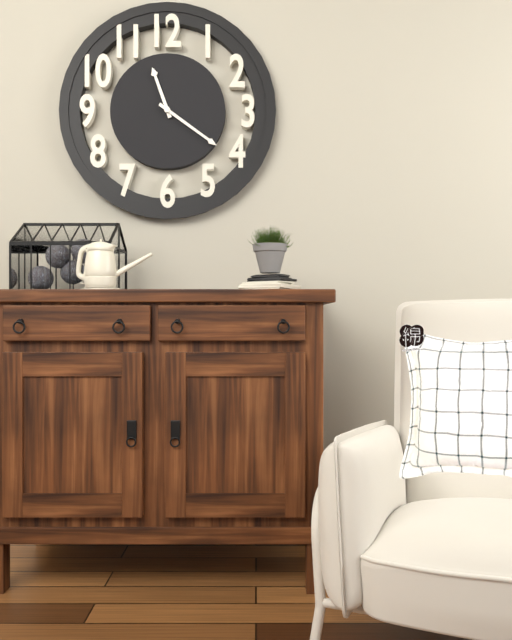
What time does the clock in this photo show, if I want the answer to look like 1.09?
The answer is 11.21
